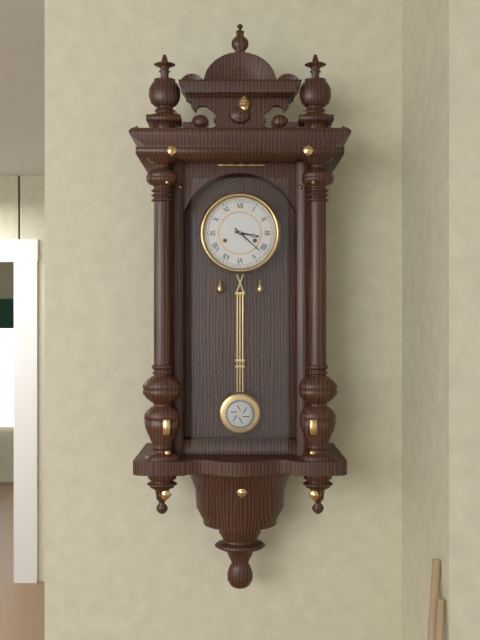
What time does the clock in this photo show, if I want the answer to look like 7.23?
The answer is 3.22
